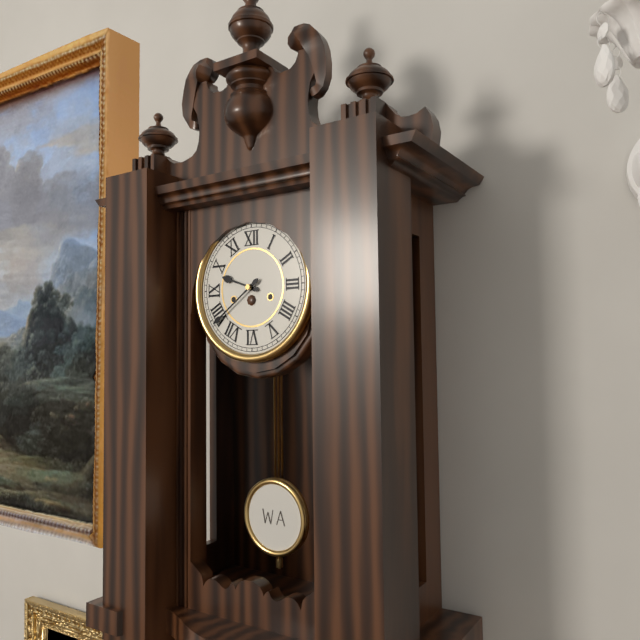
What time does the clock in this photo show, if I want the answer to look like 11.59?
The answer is 9.39
